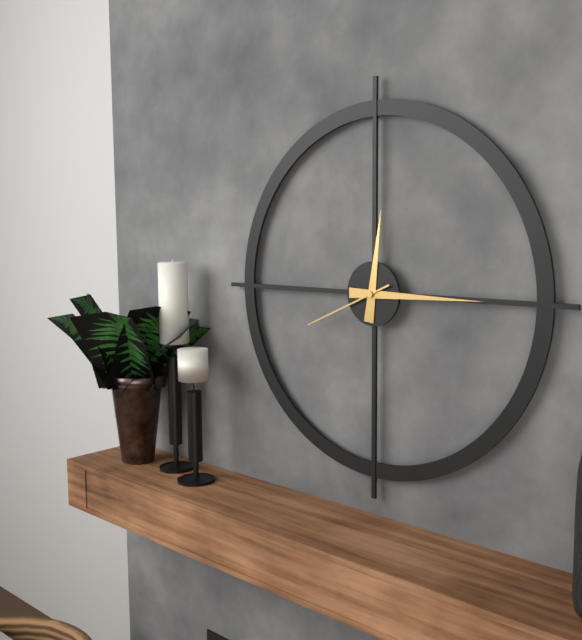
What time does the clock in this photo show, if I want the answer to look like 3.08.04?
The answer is 12.15.41
